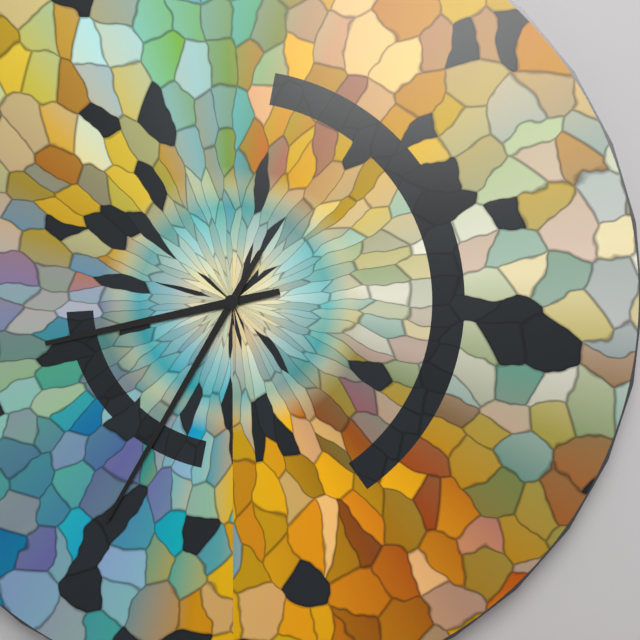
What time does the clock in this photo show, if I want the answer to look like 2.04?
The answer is 8.35
